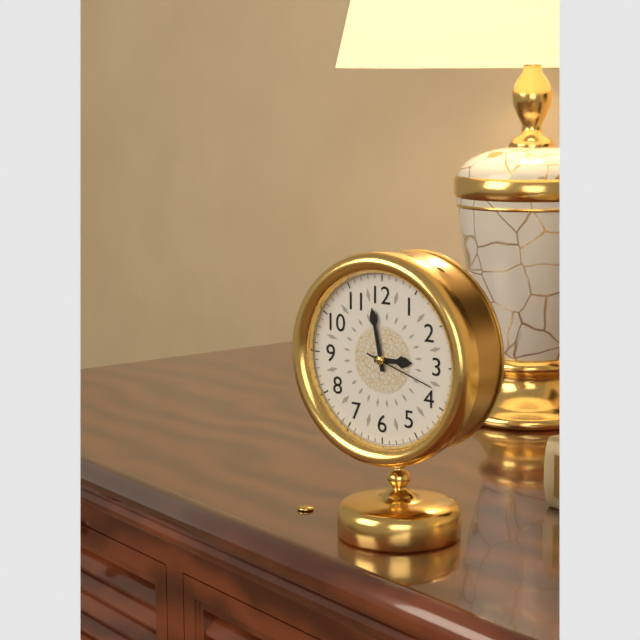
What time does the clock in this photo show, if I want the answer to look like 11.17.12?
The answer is 2.58.18
